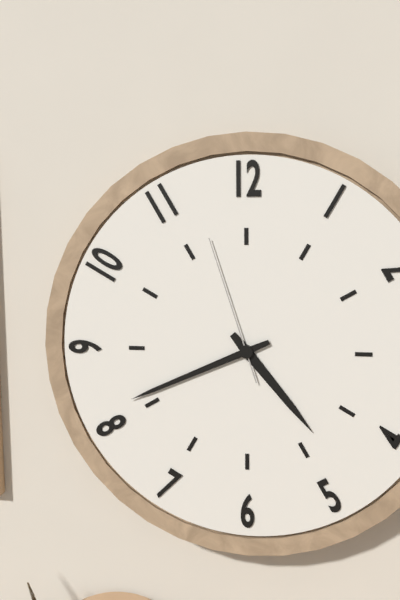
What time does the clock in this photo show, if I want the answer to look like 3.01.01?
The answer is 4.41.57
